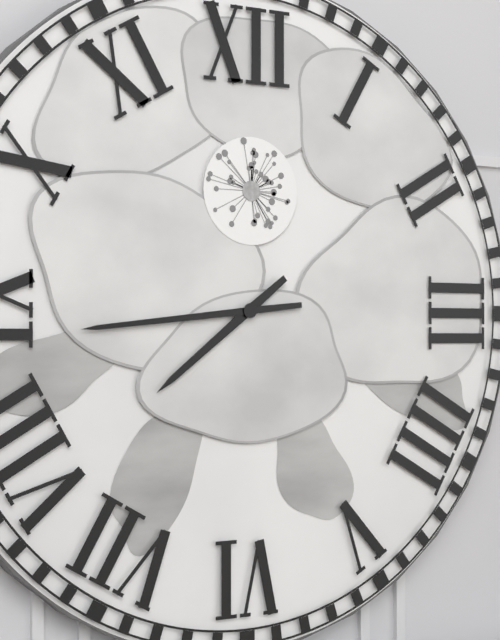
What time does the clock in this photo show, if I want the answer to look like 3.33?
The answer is 7.44
